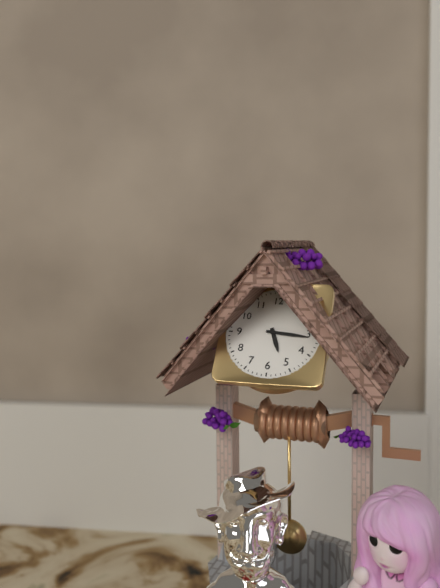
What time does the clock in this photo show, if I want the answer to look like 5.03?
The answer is 5.16
